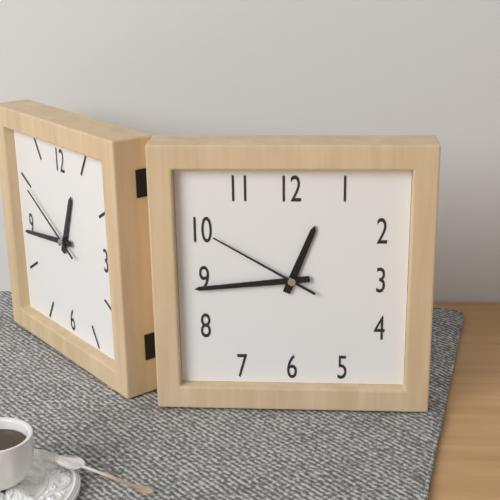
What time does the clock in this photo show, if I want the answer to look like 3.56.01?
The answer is 12.44.50
